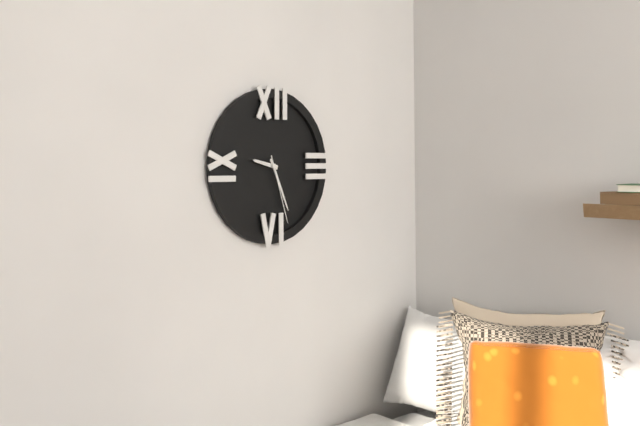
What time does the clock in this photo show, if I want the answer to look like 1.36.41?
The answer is 9.26.27
